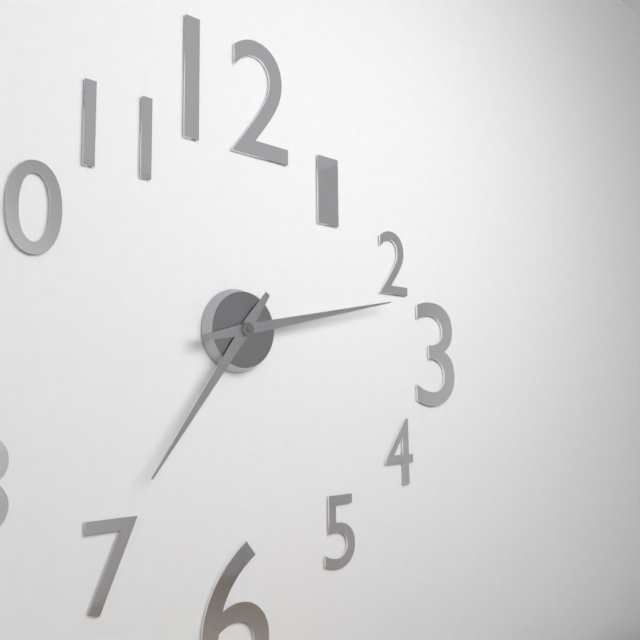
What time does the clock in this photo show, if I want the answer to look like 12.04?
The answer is 7.13
